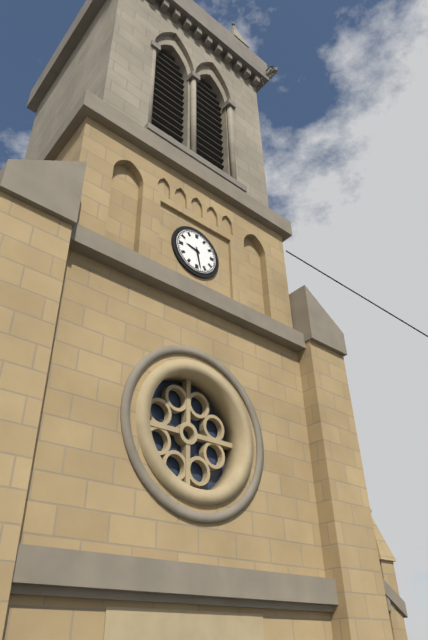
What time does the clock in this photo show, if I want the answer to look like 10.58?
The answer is 9.28
